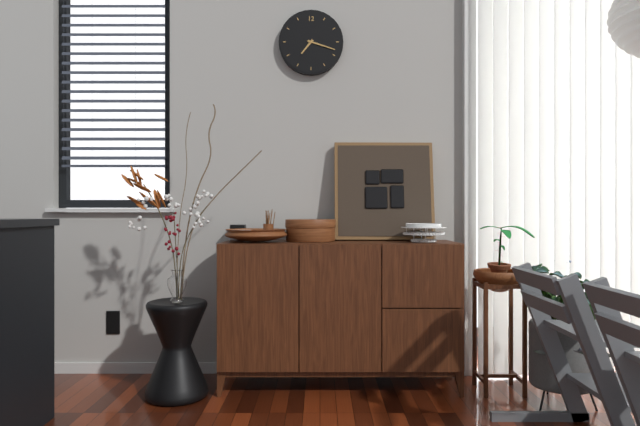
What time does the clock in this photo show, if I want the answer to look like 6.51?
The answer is 7.18
